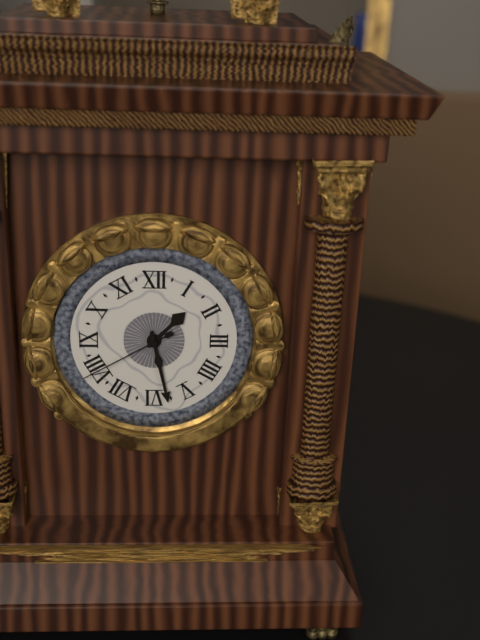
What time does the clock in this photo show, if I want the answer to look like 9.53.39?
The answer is 1.28.40
